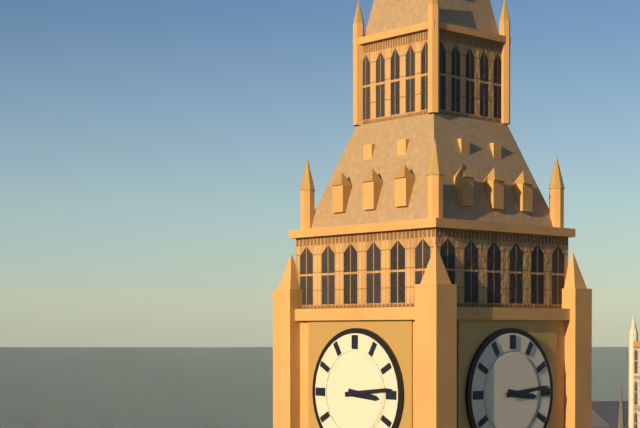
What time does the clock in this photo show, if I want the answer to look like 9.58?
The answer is 3.14
